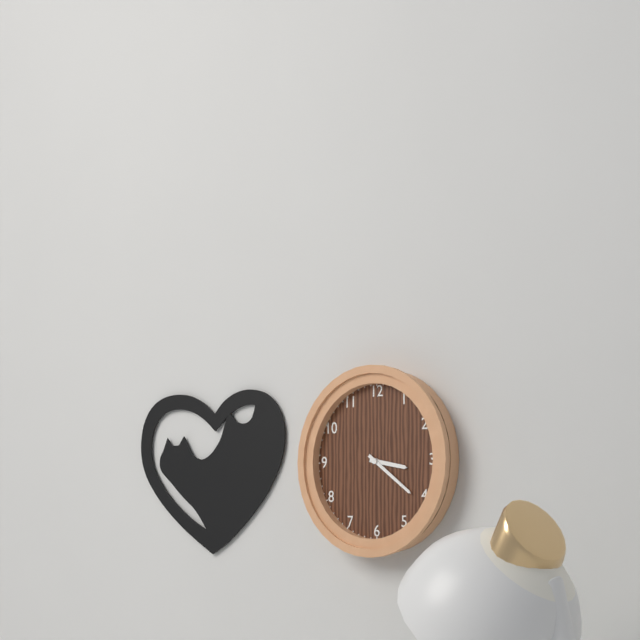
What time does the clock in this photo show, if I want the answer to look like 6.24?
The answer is 3.21
